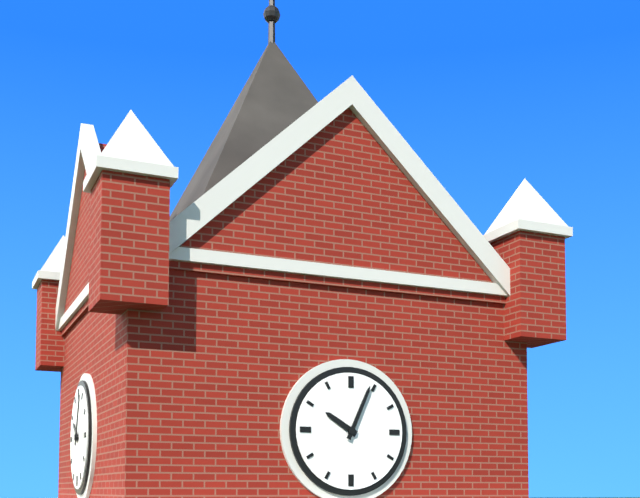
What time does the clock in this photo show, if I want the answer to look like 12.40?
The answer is 10.04
